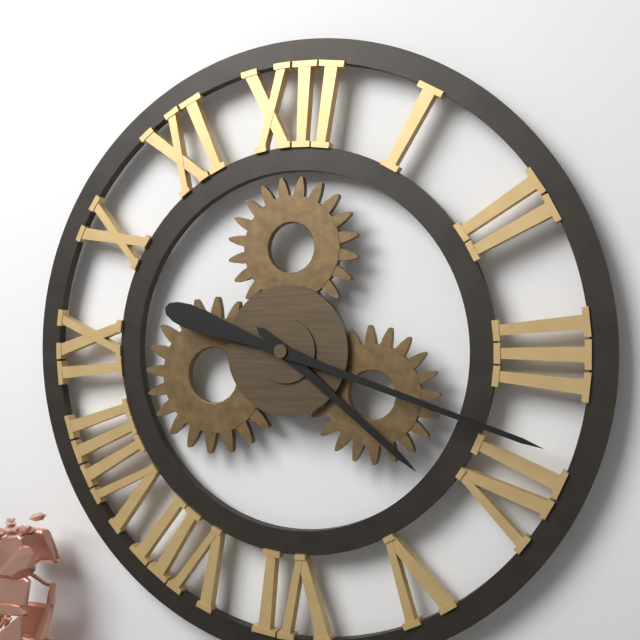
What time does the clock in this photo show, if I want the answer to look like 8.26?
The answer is 4.18
